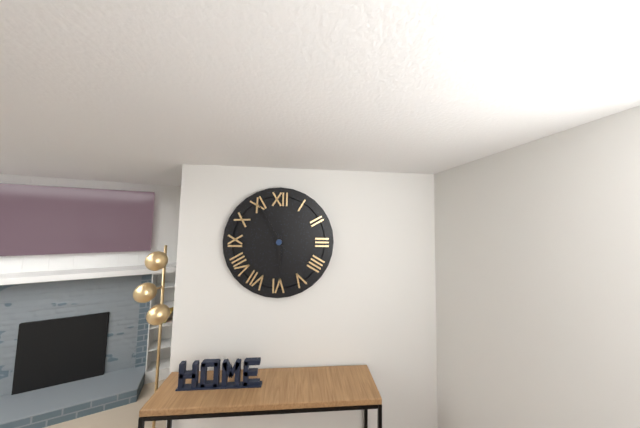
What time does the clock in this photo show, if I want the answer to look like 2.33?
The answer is 5.55
